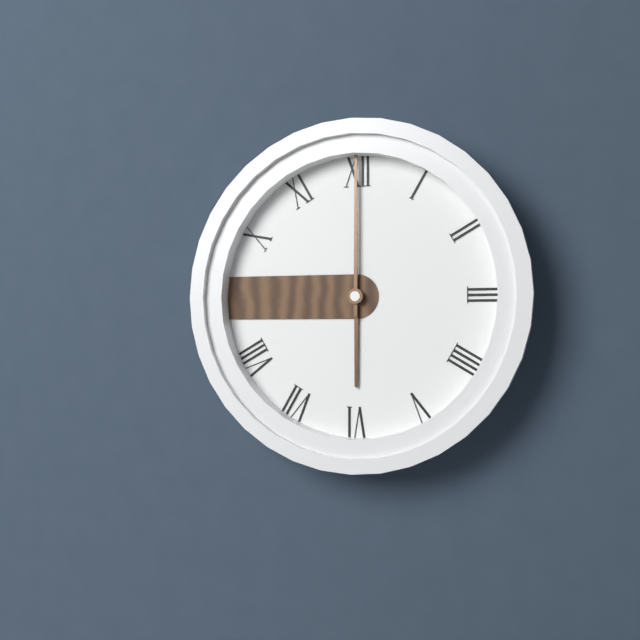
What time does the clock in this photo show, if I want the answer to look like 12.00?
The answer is 6.00
